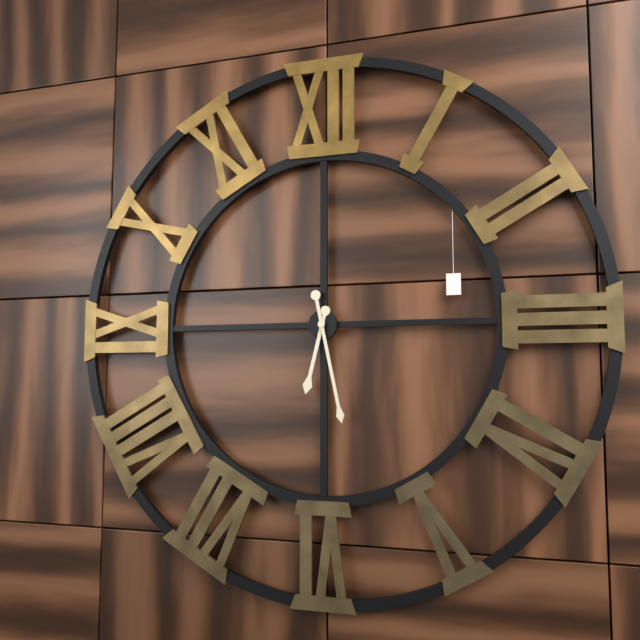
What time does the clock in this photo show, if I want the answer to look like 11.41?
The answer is 6.28
